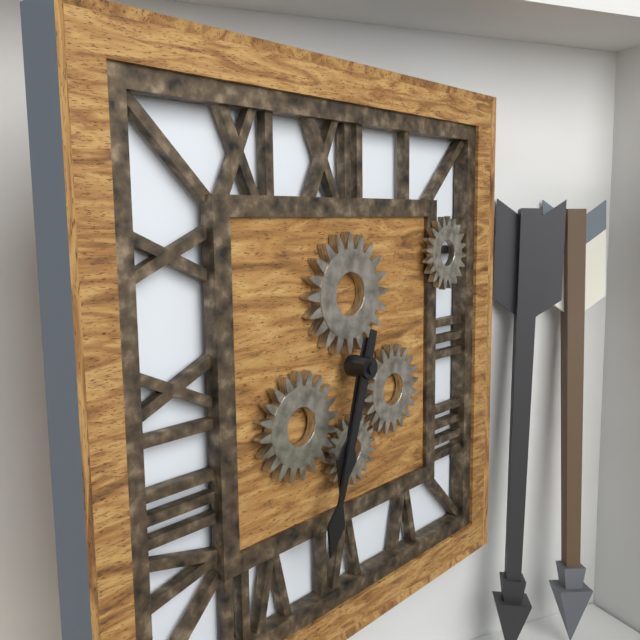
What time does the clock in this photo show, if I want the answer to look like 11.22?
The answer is 6.33
